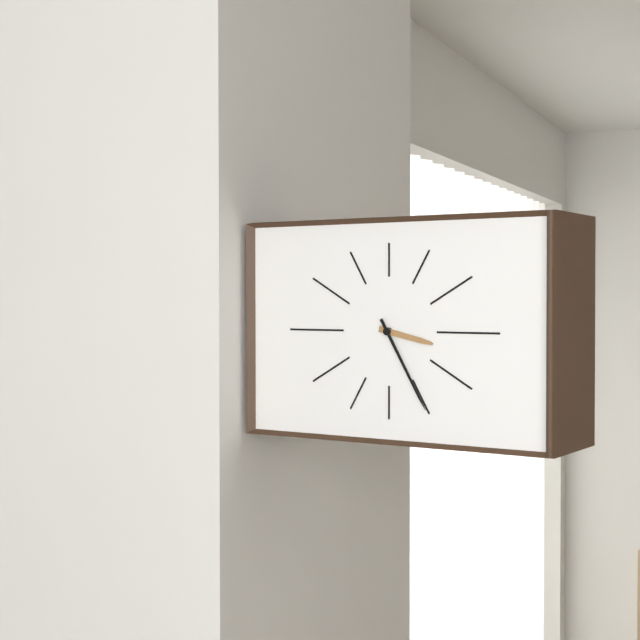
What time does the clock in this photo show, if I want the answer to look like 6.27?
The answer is 3.25
